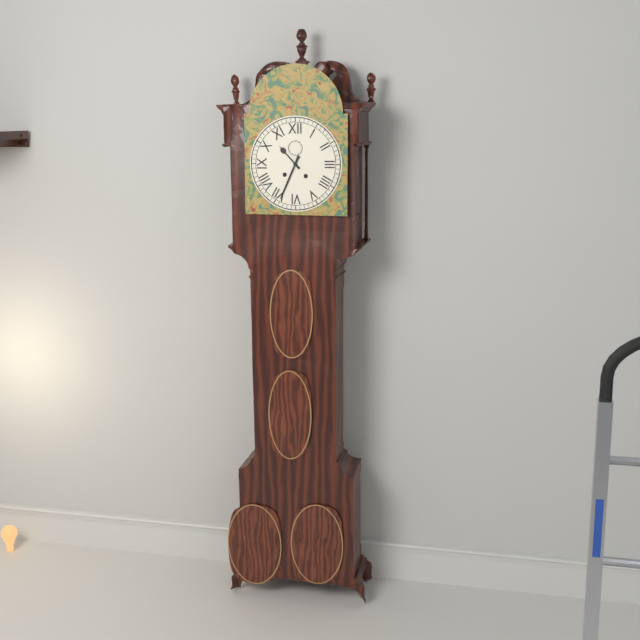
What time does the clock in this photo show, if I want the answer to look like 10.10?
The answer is 10.34
